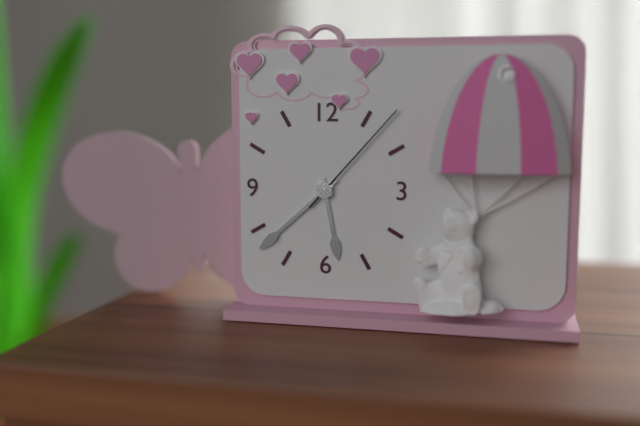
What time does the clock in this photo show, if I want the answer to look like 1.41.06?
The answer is 5.38.07
